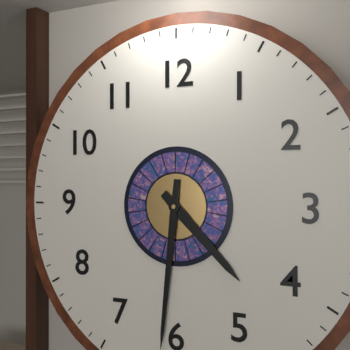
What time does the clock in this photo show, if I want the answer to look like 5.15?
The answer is 4.31
